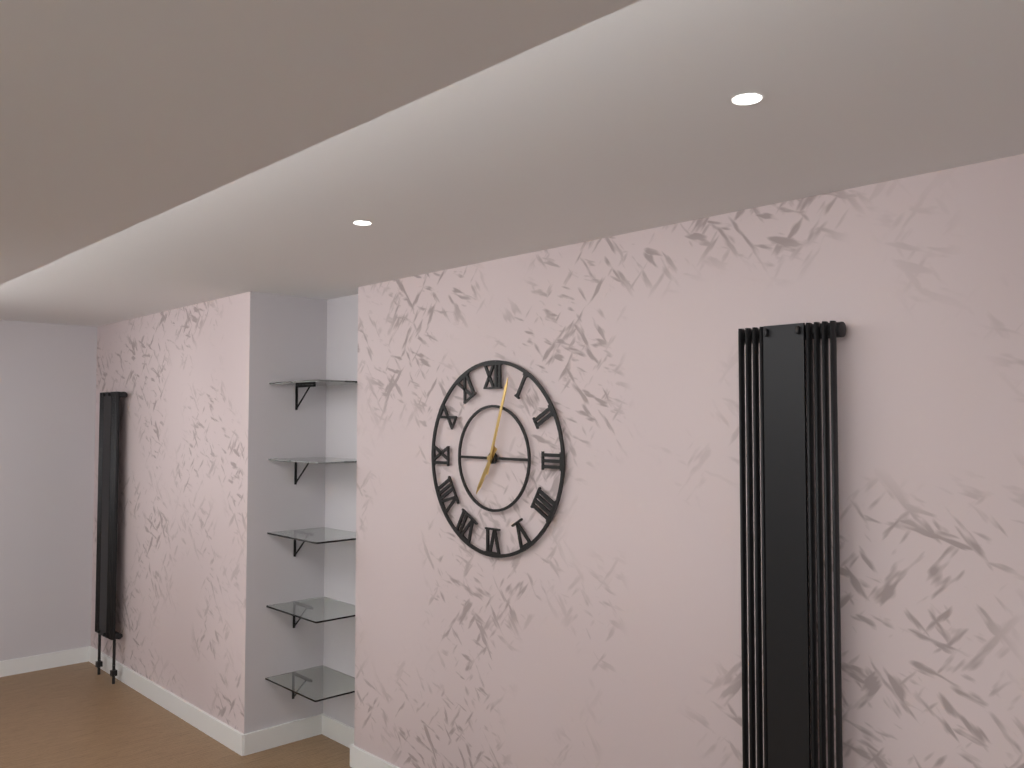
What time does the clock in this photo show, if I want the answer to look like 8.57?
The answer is 7.03
